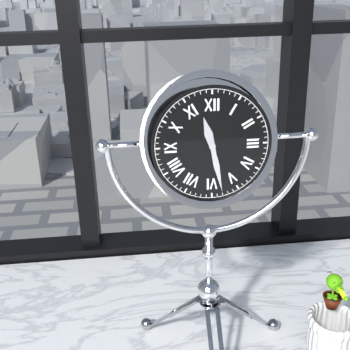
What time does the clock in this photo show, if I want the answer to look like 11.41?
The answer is 11.28
